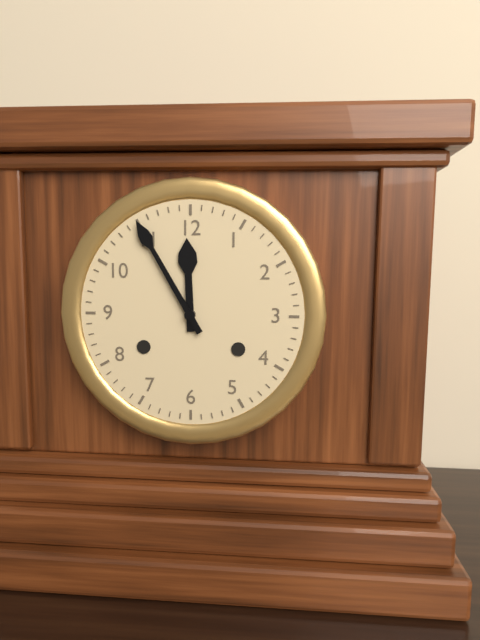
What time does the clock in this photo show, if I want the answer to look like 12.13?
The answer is 11.55
